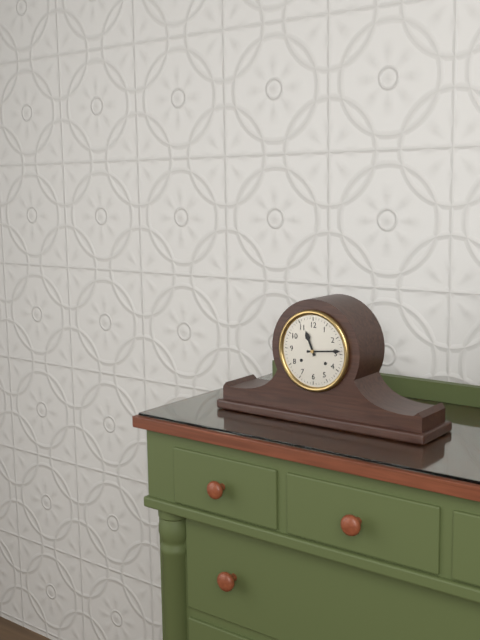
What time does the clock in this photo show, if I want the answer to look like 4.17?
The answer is 11.14
